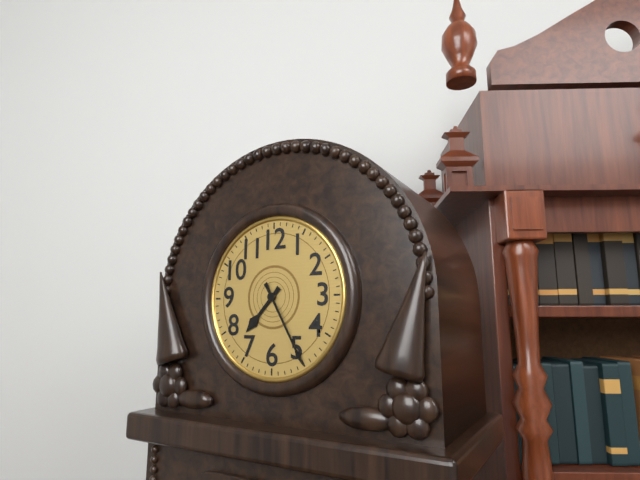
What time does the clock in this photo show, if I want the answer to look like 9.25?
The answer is 7.25
